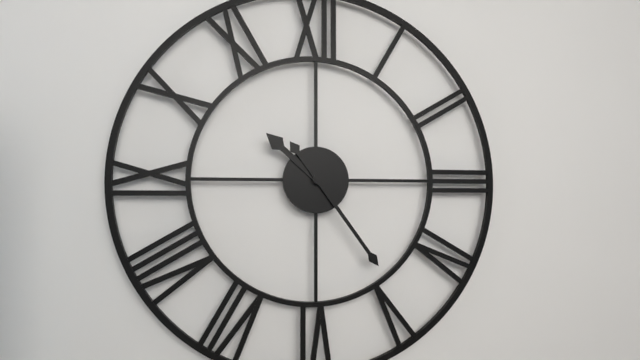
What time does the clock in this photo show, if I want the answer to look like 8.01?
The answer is 10.24
